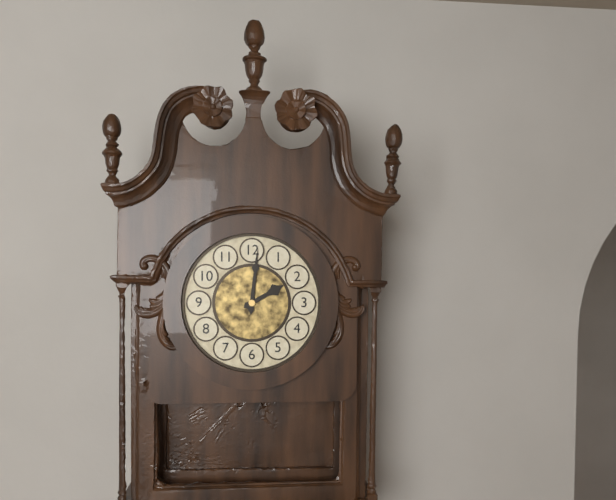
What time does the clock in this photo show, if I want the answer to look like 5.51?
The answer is 2.01
